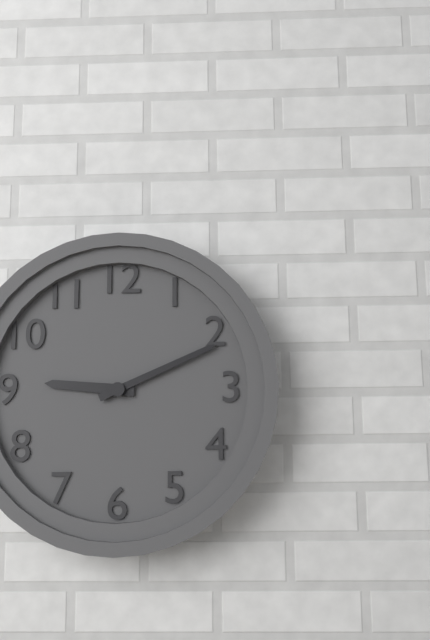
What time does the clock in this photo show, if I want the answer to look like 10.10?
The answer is 9.11
